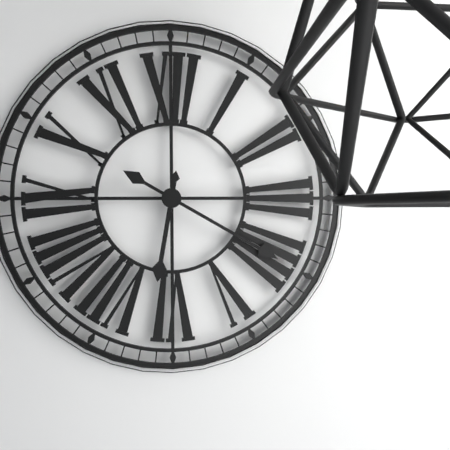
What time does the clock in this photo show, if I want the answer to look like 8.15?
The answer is 6.20
